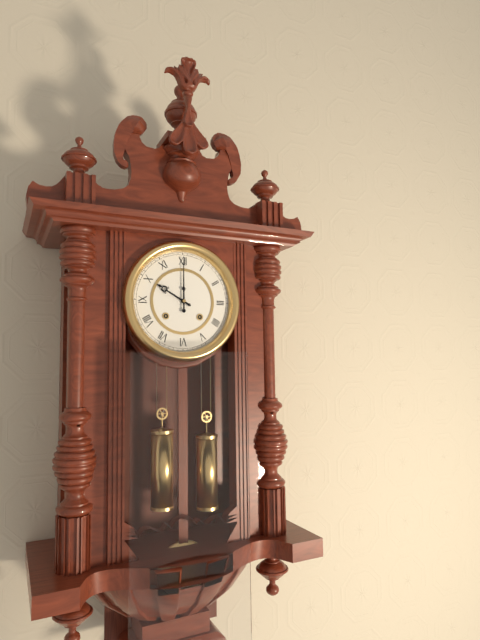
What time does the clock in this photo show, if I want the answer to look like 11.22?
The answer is 10.00
